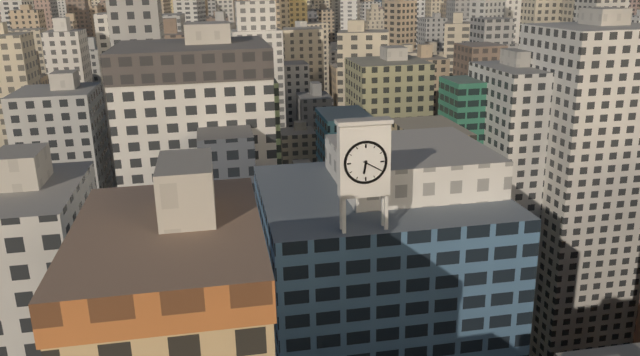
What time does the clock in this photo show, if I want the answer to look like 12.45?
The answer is 6.20
